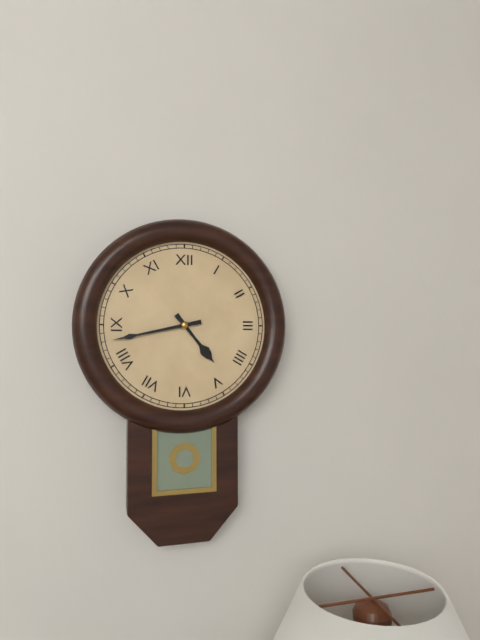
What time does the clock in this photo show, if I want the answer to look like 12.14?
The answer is 4.43
